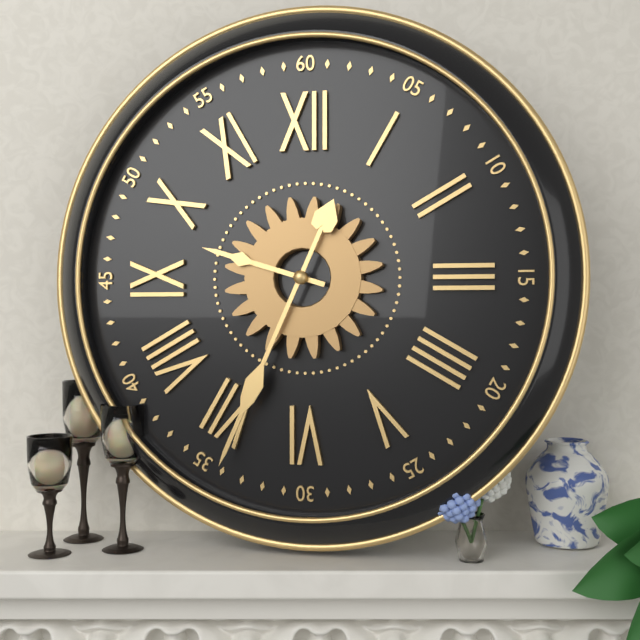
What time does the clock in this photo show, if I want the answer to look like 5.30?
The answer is 9.34
